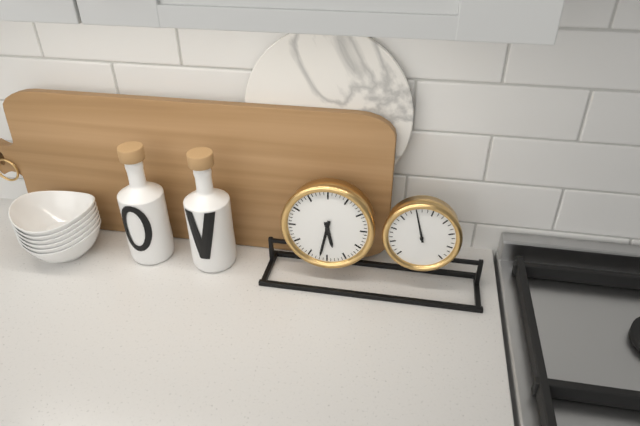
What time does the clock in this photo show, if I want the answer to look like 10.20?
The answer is 5.32
